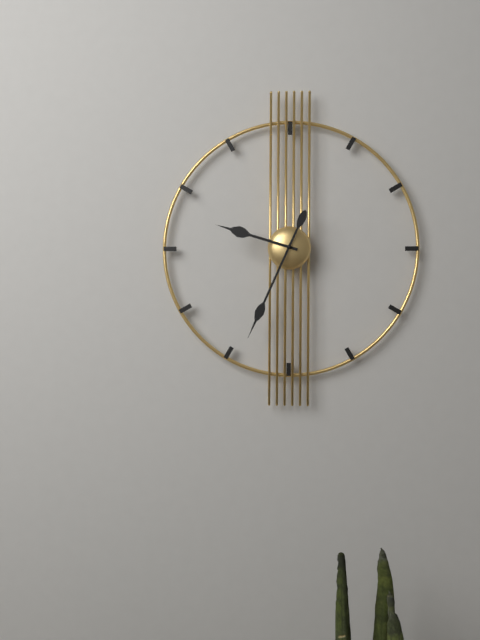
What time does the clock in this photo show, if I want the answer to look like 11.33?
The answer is 9.34
